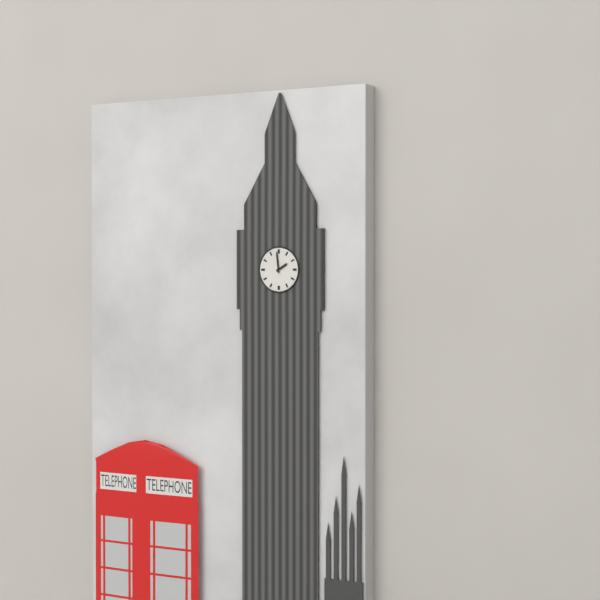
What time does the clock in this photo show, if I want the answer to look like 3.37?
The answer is 1.59
